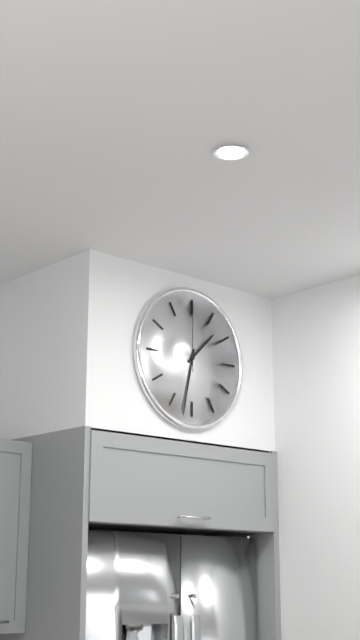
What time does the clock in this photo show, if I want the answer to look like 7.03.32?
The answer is 1.32.00
